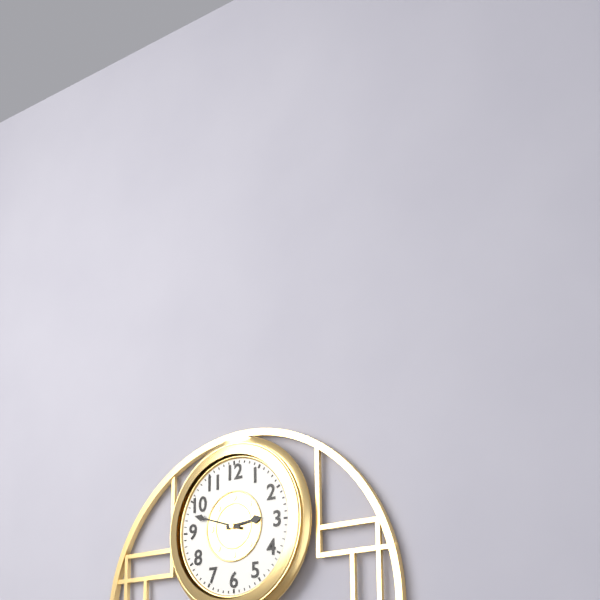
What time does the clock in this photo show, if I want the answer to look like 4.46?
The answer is 2.48
